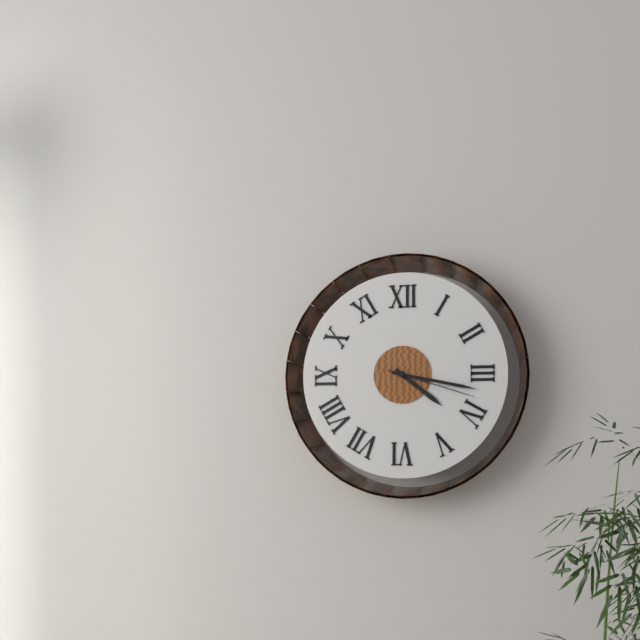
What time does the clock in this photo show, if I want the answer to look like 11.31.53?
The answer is 4.17.18
